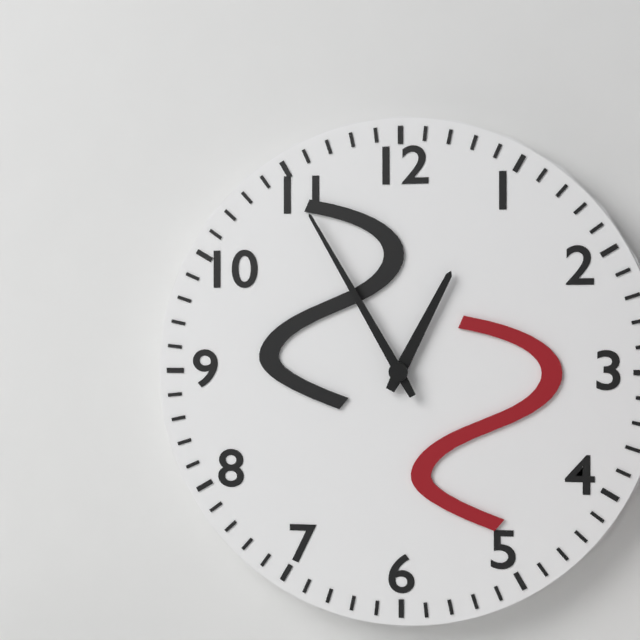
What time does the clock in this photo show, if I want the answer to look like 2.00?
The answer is 12.55
